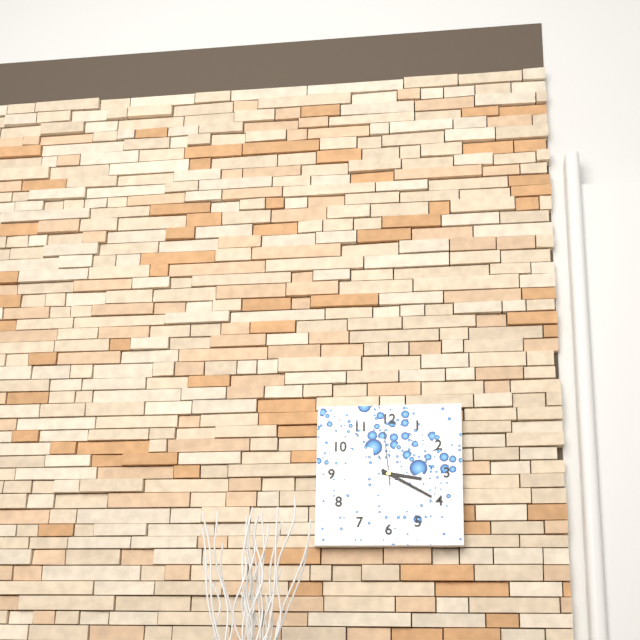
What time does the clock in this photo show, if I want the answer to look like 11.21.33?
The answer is 3.20.59
